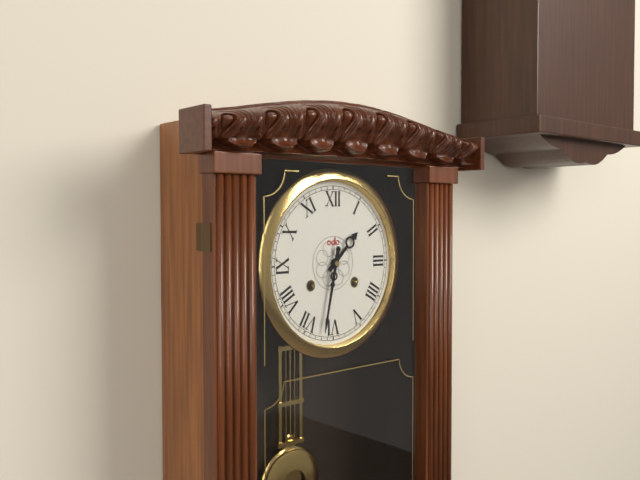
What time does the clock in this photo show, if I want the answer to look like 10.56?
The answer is 1.32
